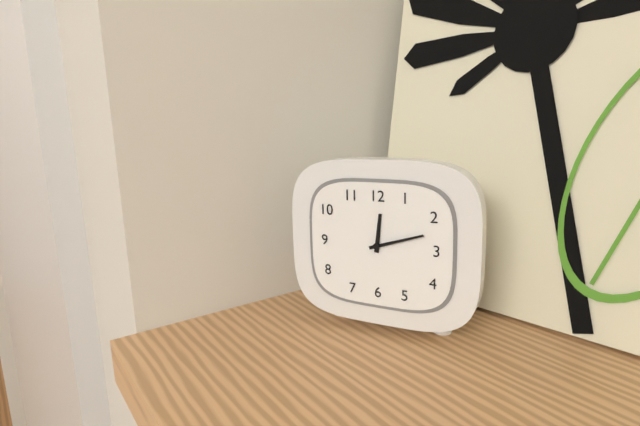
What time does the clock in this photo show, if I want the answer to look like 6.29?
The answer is 12.12
